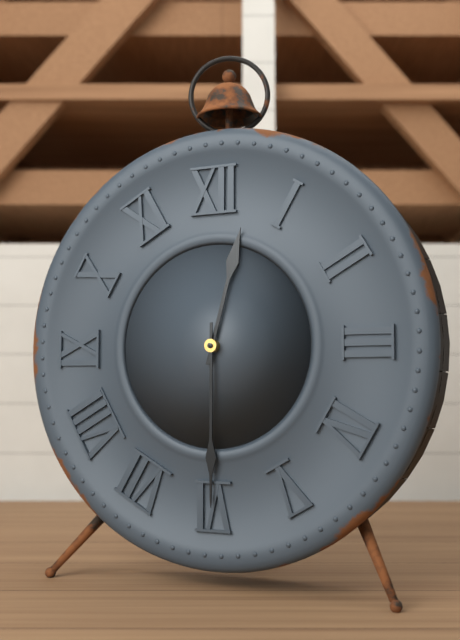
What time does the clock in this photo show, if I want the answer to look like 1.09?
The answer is 12.30
